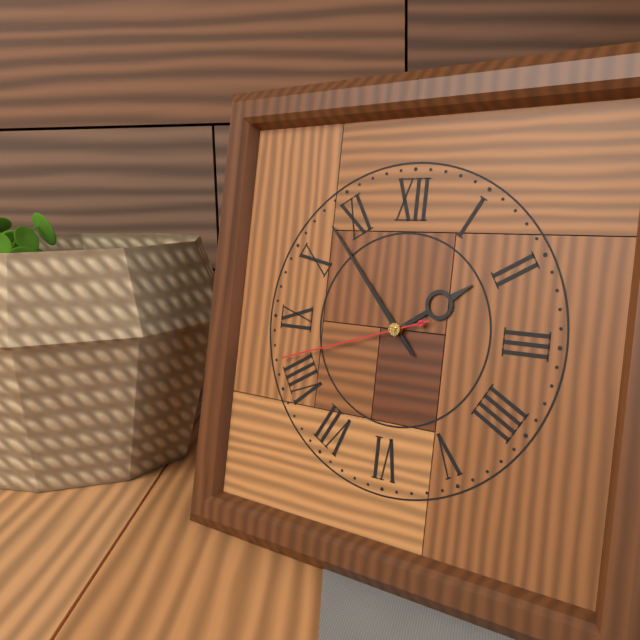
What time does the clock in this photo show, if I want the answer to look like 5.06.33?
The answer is 1.53.42
